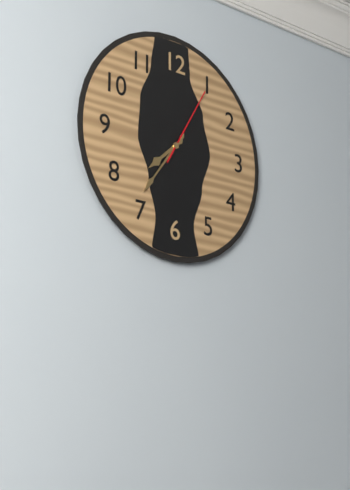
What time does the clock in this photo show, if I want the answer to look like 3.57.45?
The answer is 7.36.05
